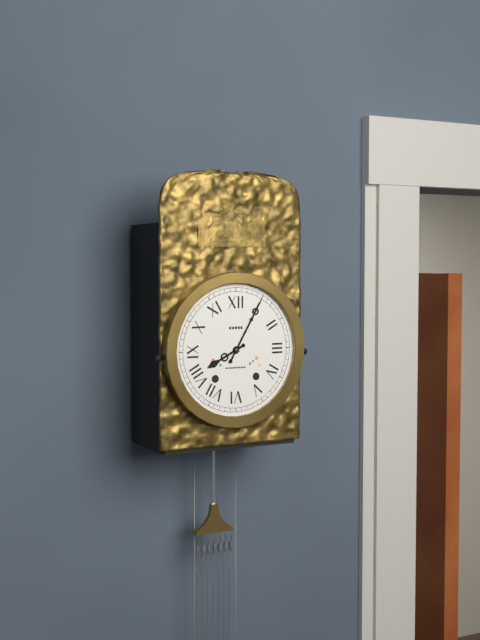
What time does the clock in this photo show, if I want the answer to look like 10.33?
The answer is 8.05
